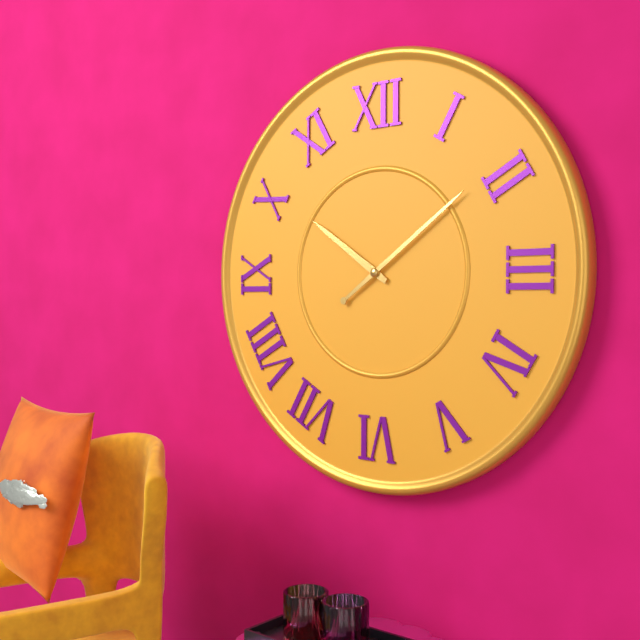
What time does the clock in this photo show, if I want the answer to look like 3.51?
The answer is 10.09
